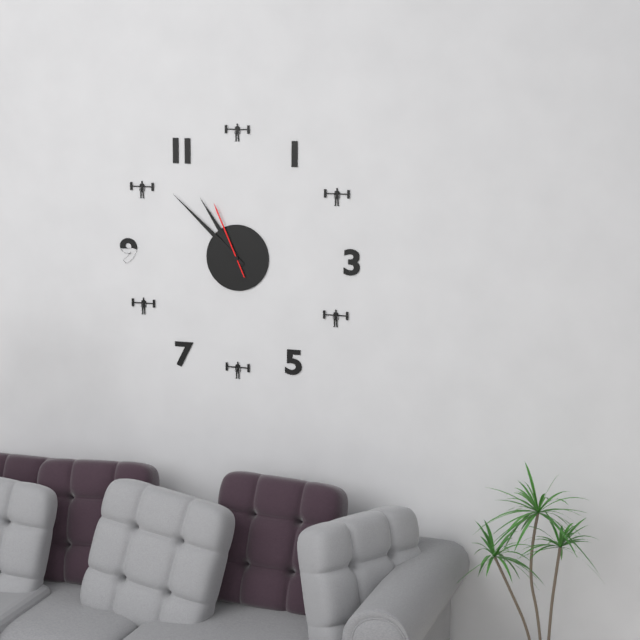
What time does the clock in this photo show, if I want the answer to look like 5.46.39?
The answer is 10.52.56
